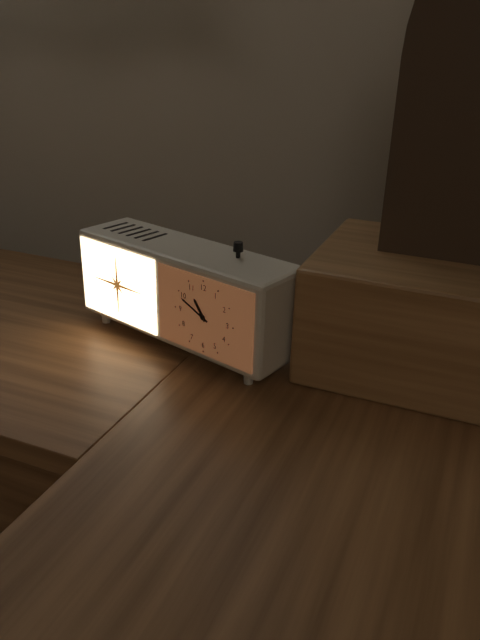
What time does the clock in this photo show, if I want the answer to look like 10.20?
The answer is 10.49
